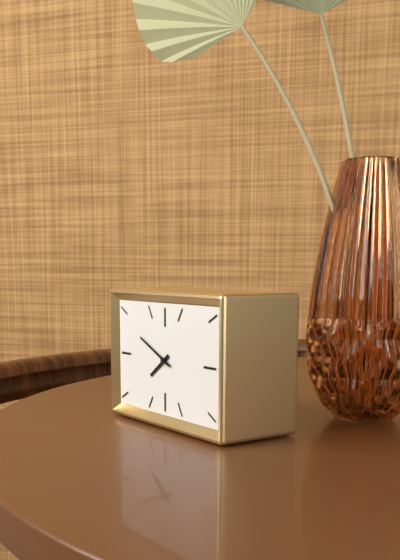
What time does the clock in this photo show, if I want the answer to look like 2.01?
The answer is 7.49
